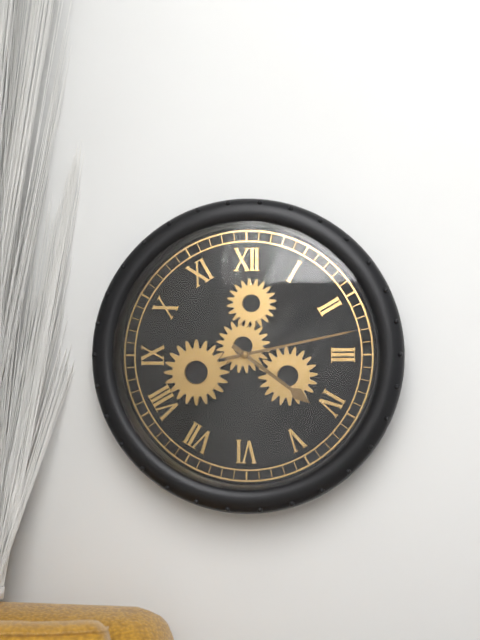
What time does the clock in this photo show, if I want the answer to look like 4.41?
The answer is 4.13
